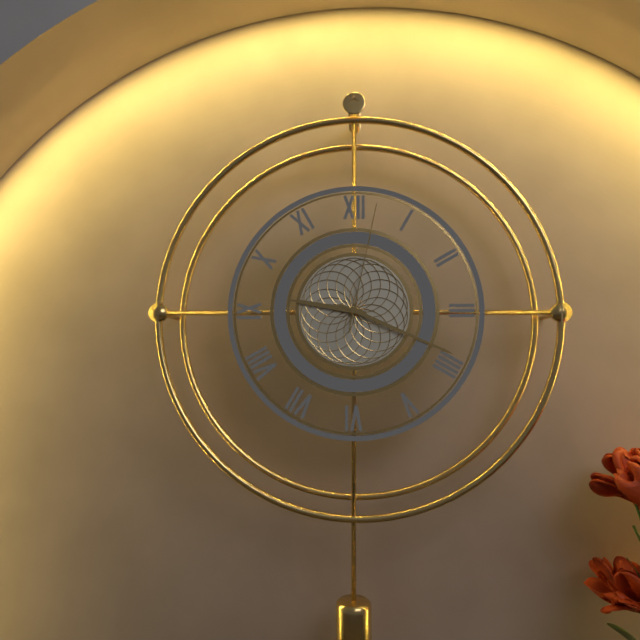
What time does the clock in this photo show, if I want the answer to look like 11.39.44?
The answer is 9.19.02
